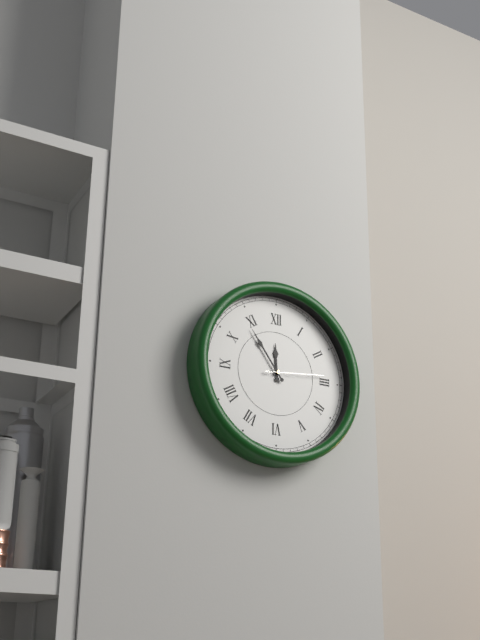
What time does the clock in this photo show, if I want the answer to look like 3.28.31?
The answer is 11.54.14
